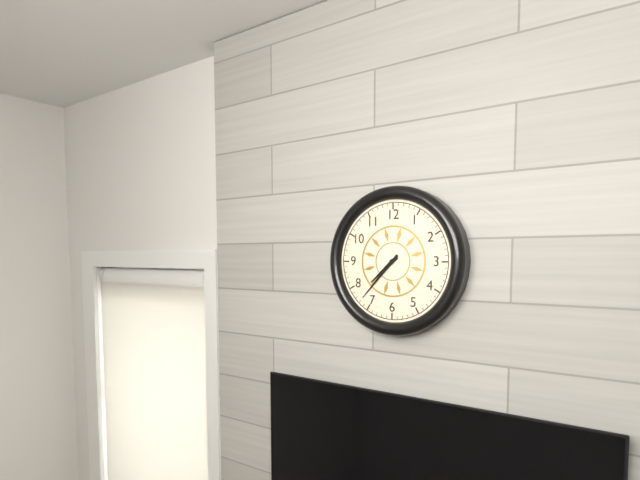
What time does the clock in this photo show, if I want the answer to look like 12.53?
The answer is 7.37
